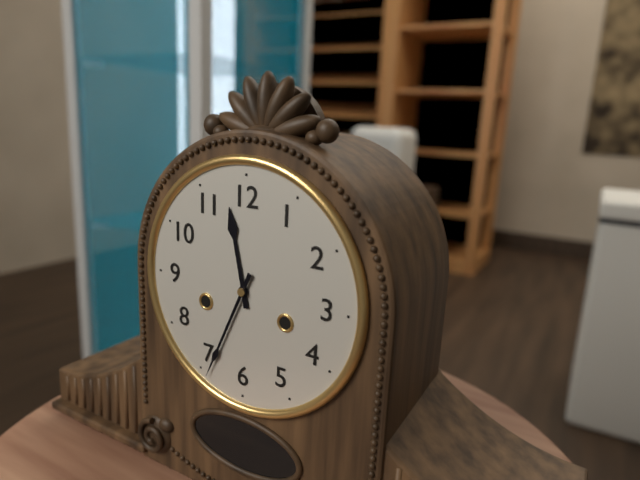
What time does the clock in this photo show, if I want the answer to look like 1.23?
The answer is 11.34
